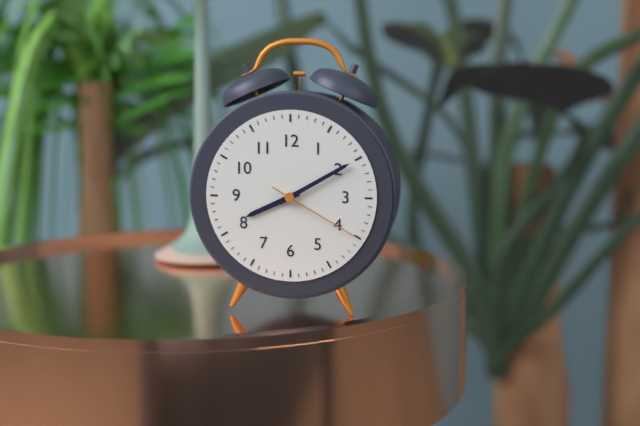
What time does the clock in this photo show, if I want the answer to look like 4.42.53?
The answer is 8.10.20
